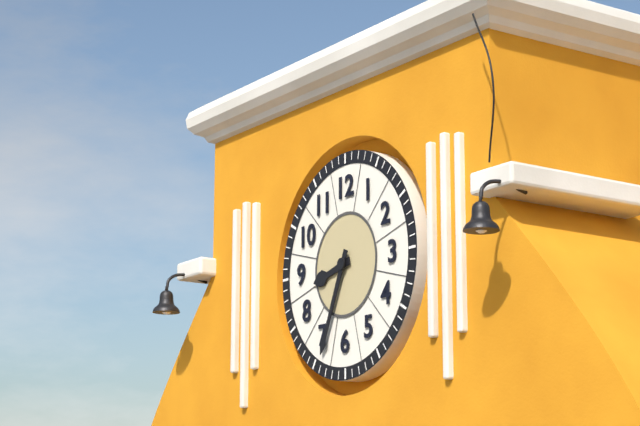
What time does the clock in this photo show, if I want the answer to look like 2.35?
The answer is 8.34
